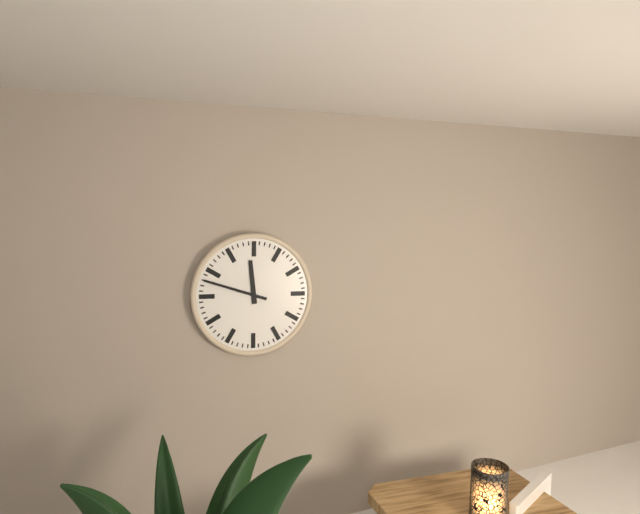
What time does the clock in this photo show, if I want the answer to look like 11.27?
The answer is 11.48
